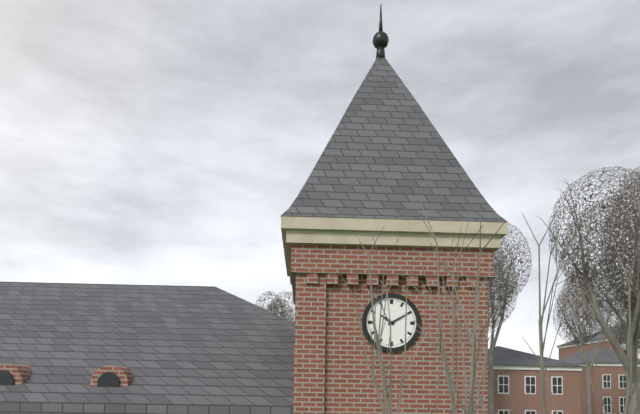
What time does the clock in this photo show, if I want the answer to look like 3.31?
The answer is 10.10
